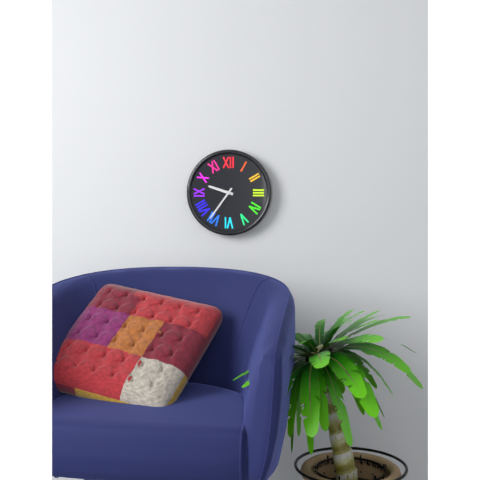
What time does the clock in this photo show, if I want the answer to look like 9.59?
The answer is 9.36
